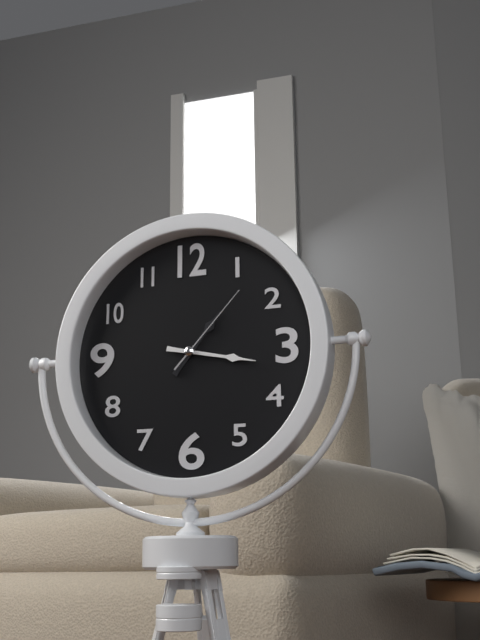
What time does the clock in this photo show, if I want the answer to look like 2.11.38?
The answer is 1.17.07
